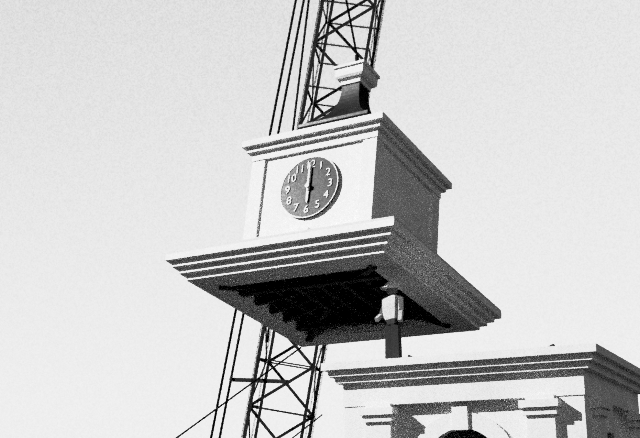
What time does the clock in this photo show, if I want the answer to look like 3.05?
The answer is 6.00
